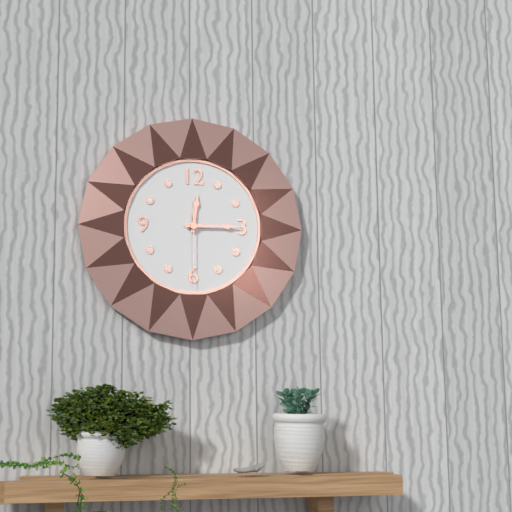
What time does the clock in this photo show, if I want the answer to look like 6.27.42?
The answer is 12.15.30
